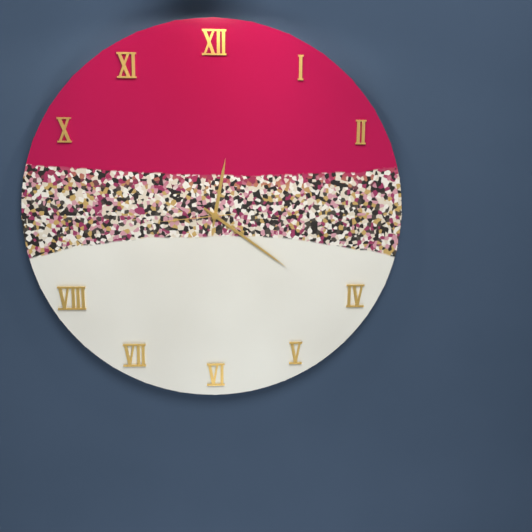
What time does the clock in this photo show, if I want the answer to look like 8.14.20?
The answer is 12.21.44
